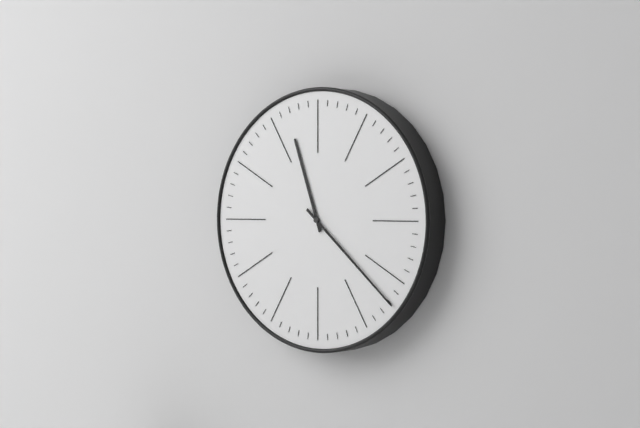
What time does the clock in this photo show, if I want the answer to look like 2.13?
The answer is 11.22
